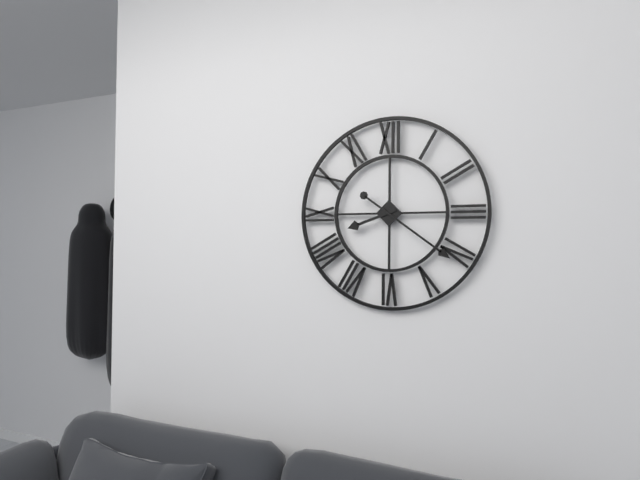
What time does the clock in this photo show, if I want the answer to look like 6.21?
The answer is 8.21
